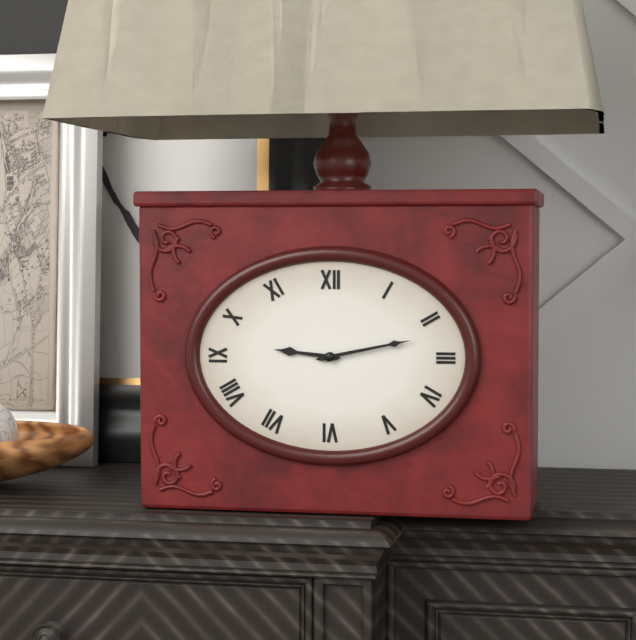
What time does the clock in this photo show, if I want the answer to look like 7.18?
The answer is 9.13
